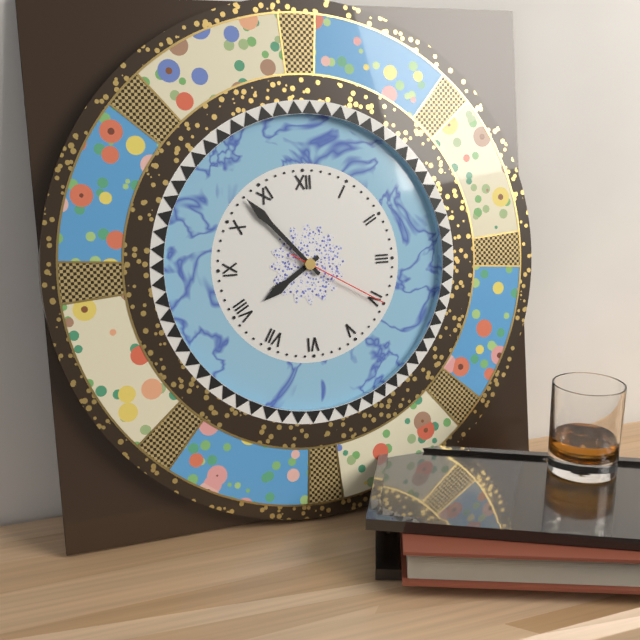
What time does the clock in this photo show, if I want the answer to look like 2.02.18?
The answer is 7.53.20
